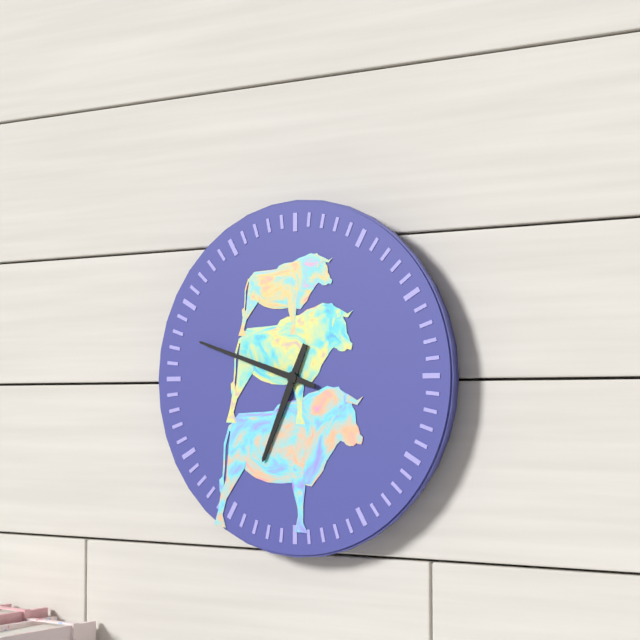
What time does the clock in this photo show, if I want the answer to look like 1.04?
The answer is 6.48
